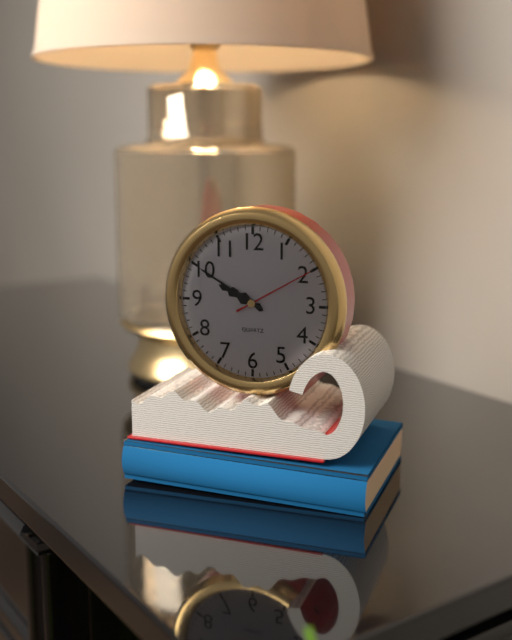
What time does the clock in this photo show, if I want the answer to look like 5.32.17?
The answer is 9.50.10
